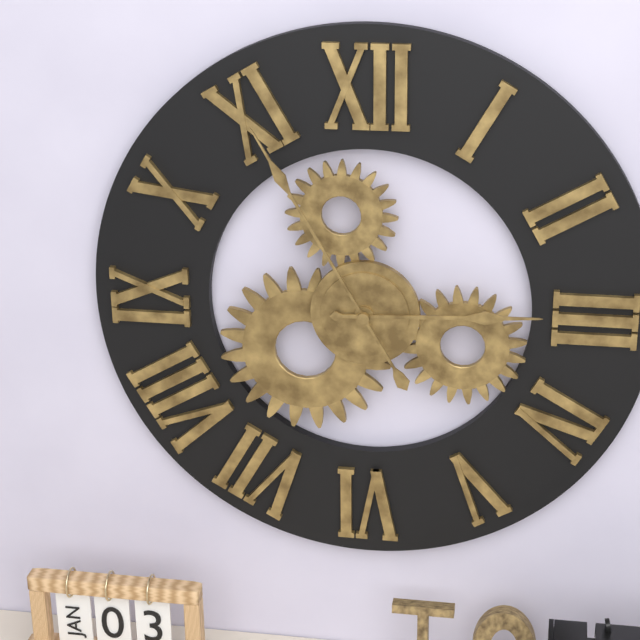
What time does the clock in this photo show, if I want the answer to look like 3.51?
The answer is 2.55
